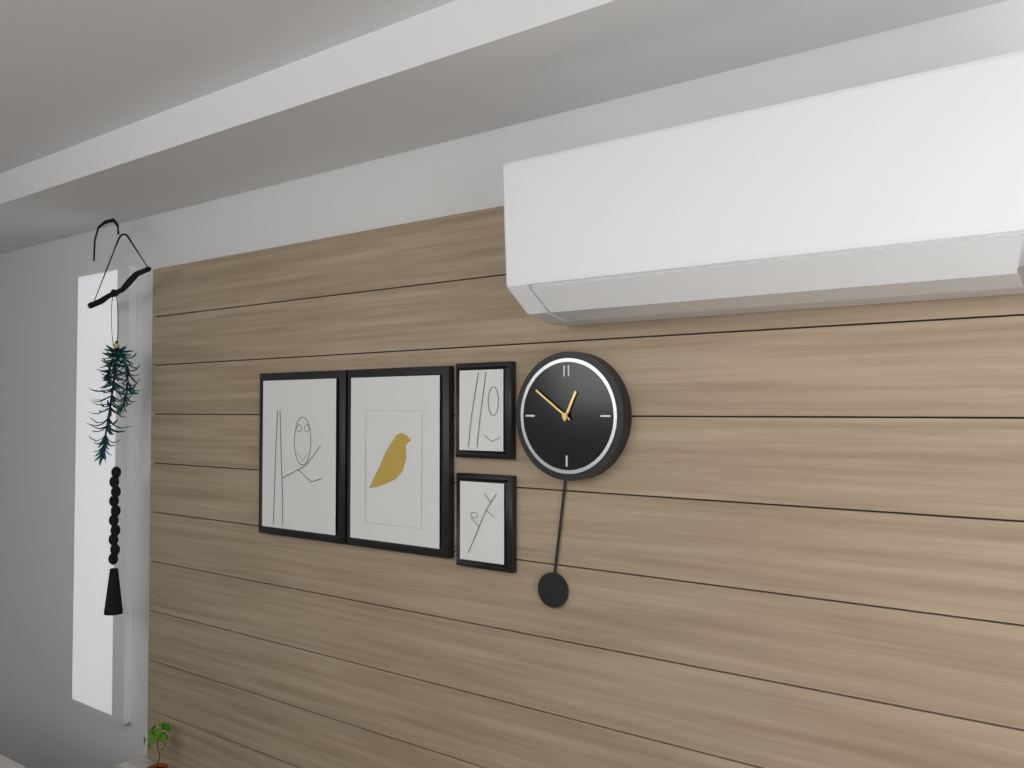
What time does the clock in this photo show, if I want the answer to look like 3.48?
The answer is 12.51
